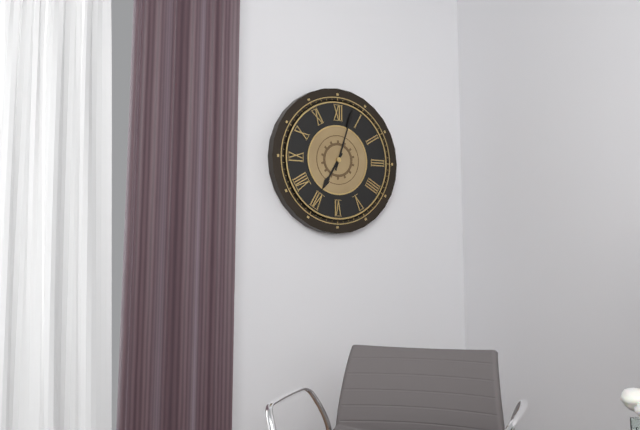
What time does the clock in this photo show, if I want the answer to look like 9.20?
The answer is 7.03
